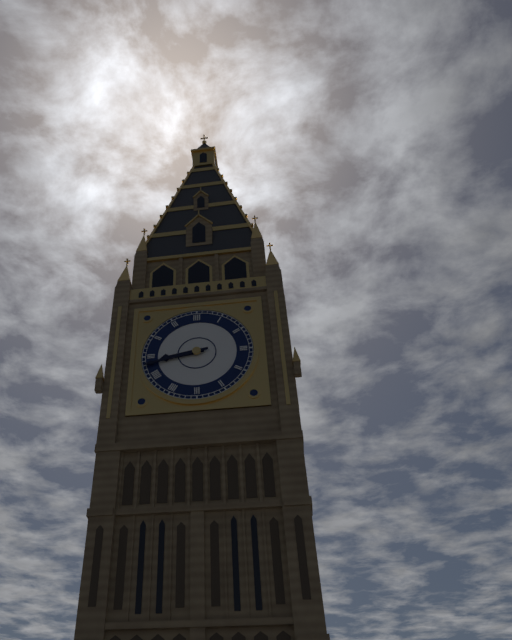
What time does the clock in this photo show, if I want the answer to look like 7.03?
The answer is 8.43
